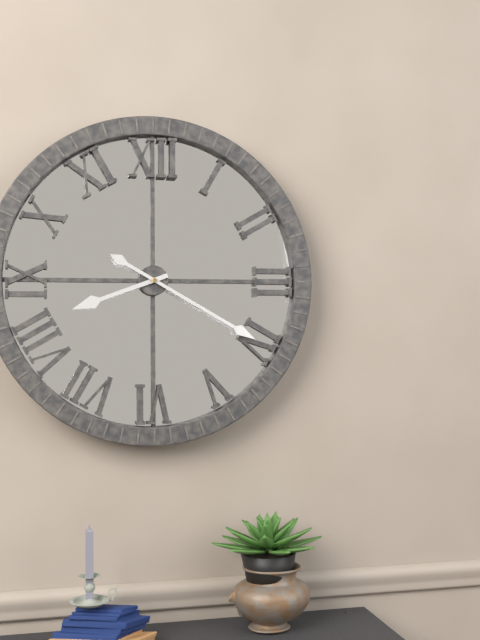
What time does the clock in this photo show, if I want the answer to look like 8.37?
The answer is 8.20
